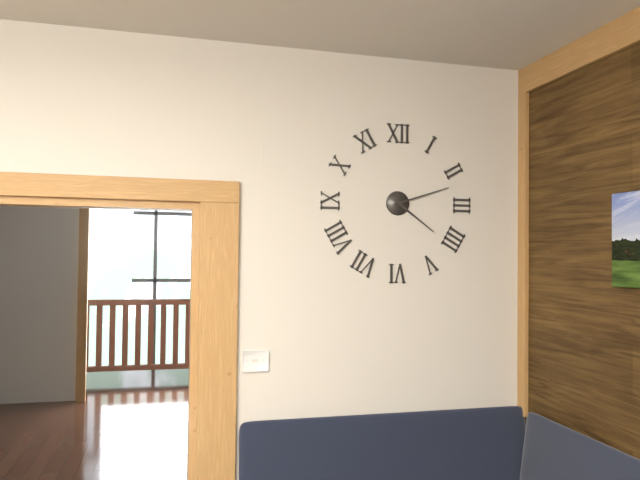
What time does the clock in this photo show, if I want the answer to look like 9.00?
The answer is 4.12
